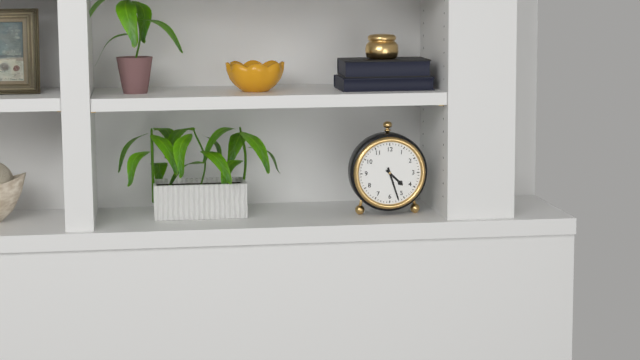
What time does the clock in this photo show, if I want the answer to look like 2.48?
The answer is 4.27
